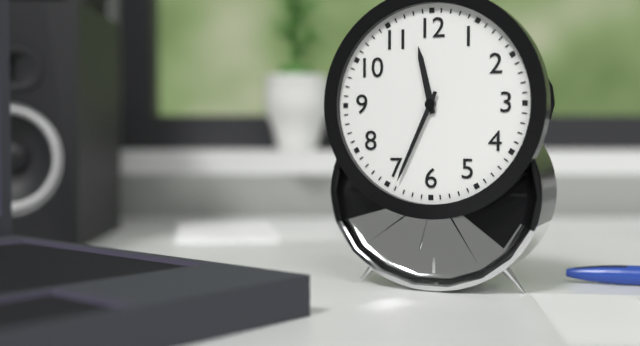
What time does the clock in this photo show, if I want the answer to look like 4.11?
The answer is 11.34
